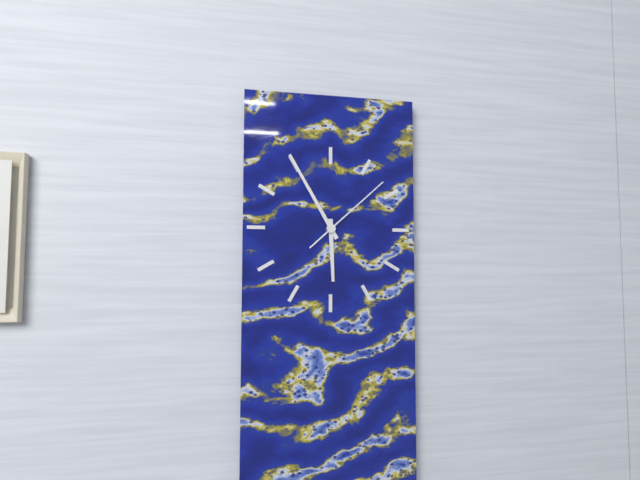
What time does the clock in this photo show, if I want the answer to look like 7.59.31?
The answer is 5.55.08
